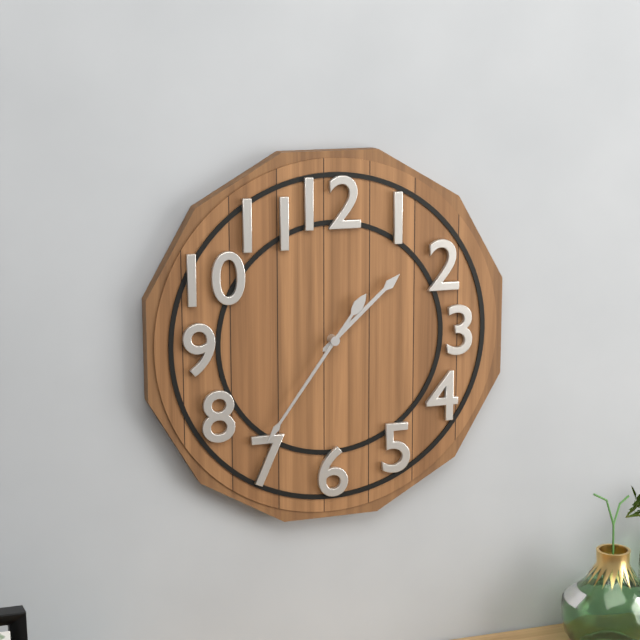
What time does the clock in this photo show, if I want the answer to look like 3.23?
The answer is 1.36
